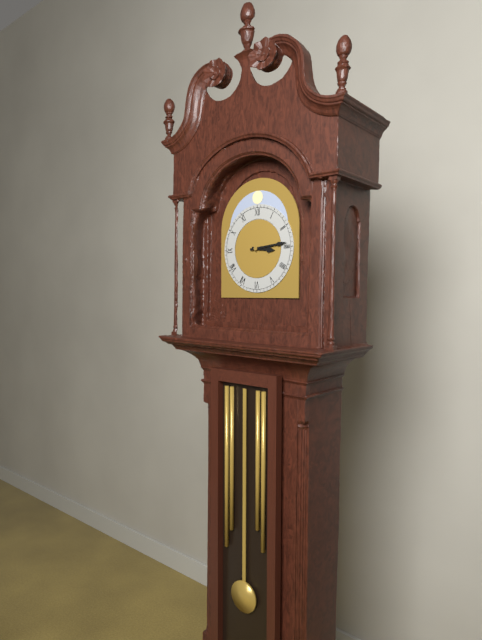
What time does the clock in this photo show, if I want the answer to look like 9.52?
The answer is 3.14
